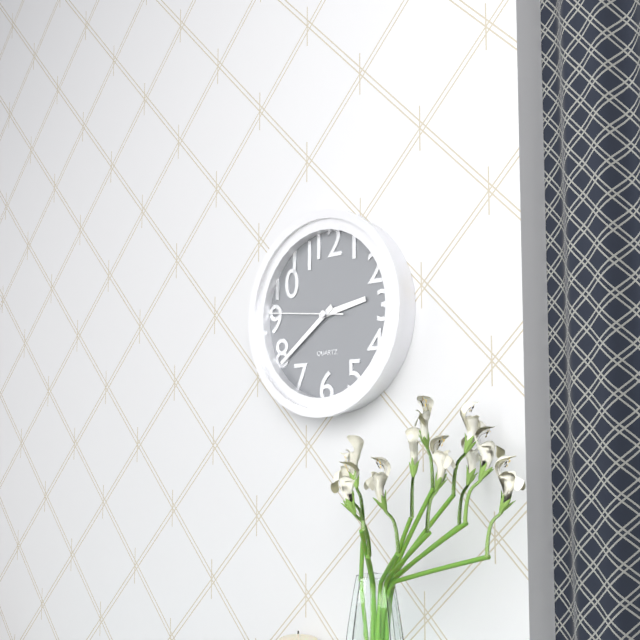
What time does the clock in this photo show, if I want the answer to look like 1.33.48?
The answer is 2.39.46
